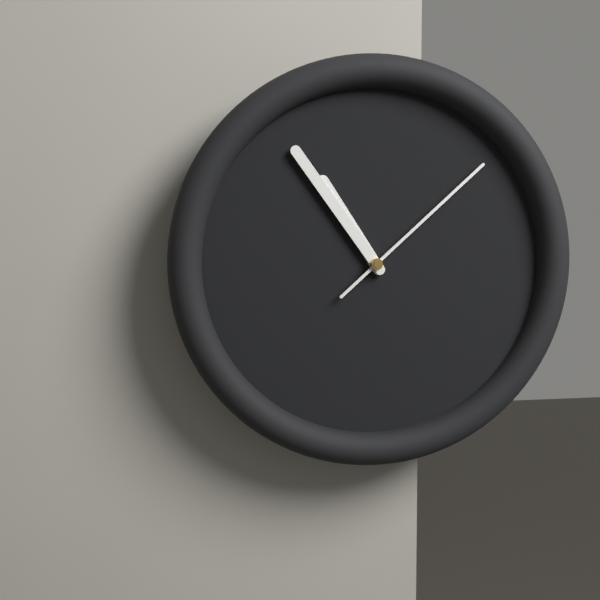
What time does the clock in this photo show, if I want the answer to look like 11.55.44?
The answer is 10.54.08
